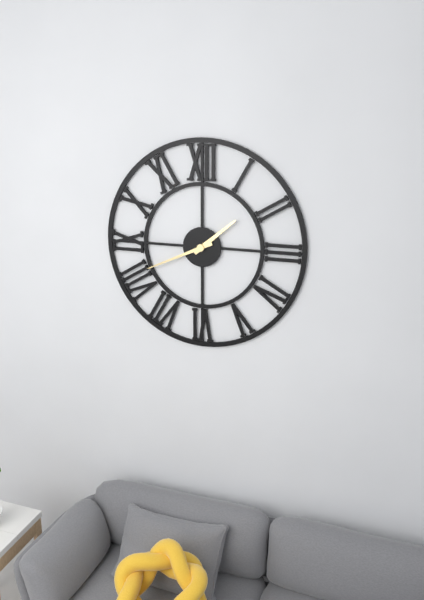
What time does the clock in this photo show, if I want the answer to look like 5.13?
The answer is 1.41
